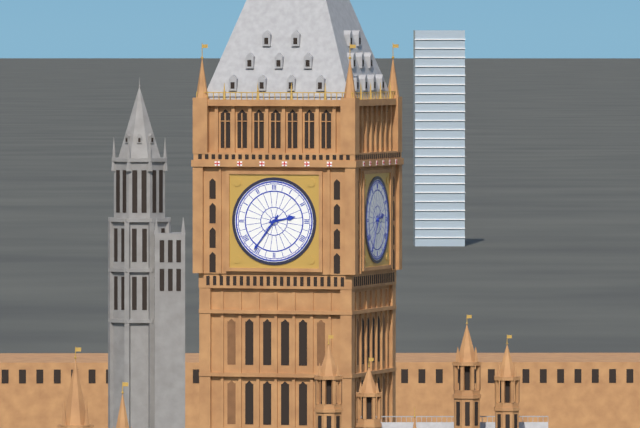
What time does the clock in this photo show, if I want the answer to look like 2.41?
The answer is 2.36
